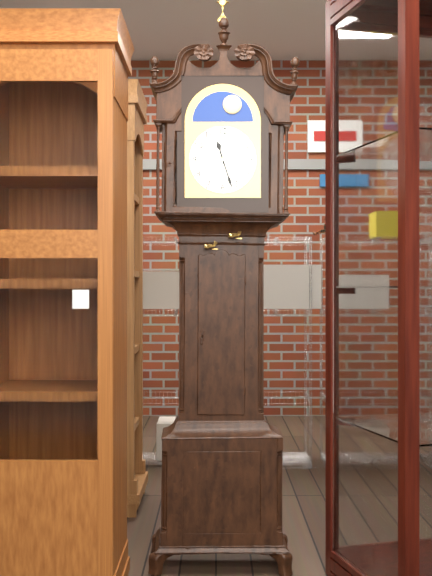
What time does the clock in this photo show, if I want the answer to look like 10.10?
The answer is 11.27
